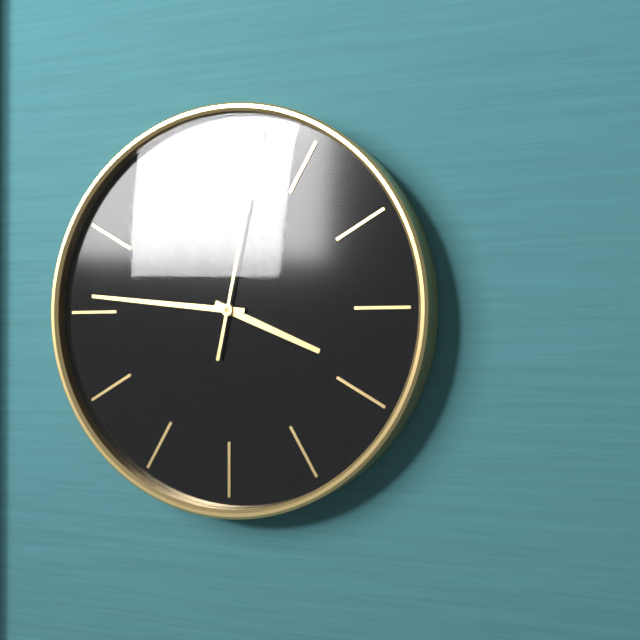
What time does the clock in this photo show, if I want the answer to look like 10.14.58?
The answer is 3.46.02
